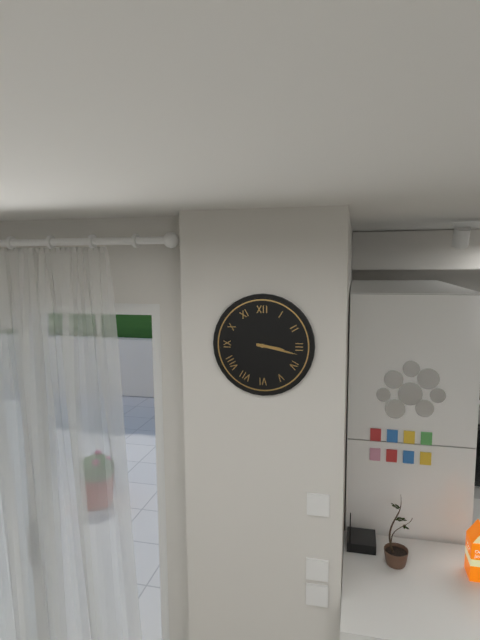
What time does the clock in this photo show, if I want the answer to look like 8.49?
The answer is 3.17
